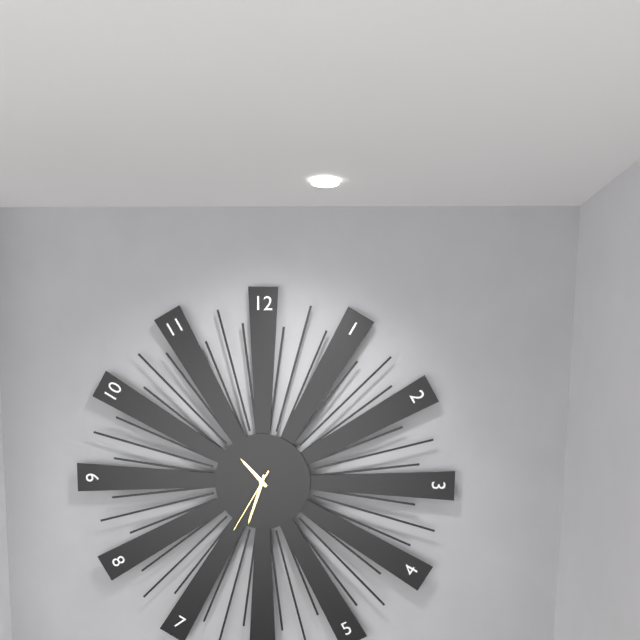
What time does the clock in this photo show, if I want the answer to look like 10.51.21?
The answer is 10.33.35
